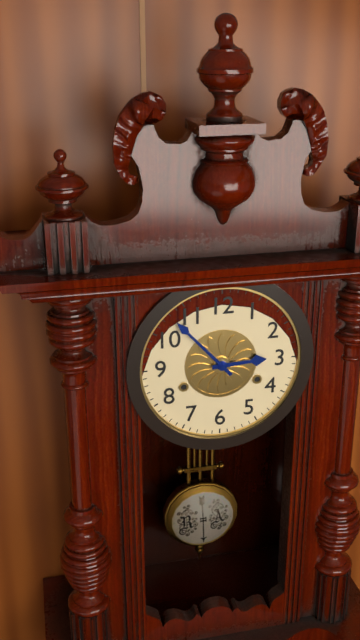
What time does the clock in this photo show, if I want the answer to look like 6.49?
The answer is 2.53
